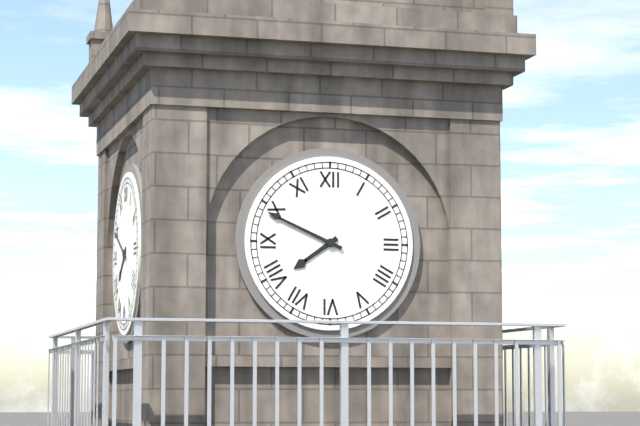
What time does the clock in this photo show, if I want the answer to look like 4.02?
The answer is 7.49
